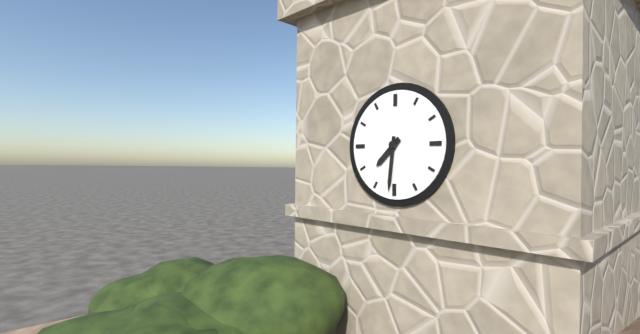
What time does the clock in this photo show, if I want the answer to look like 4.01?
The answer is 7.31
